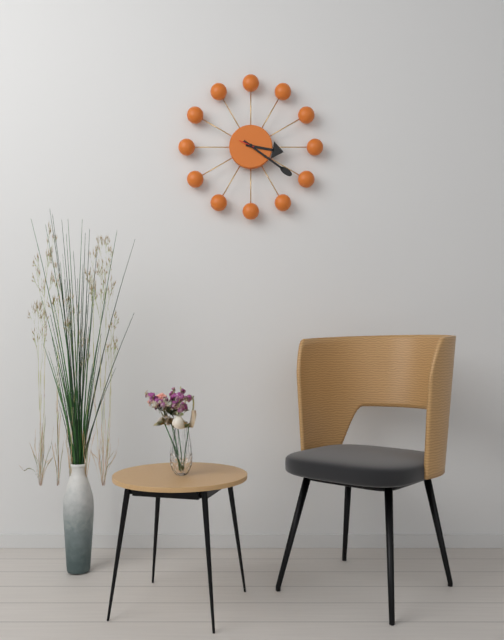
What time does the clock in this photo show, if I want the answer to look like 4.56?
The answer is 3.21
